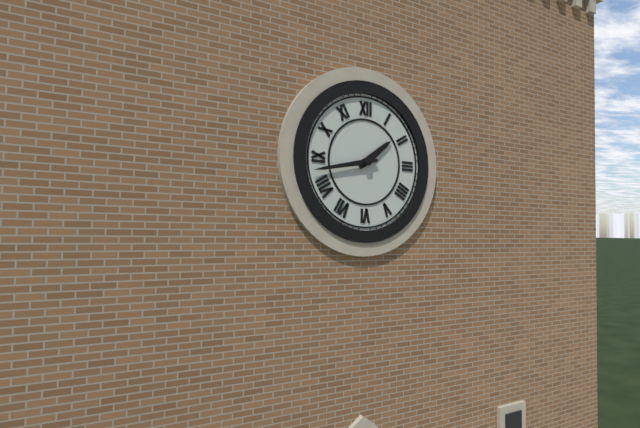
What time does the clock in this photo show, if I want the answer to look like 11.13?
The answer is 1.43
